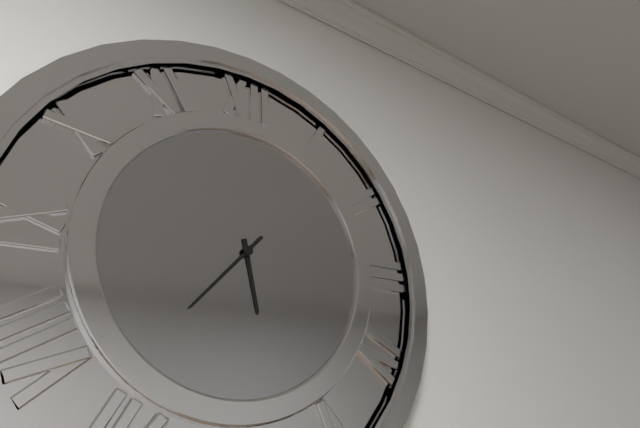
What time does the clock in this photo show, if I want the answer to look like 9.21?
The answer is 5.37
